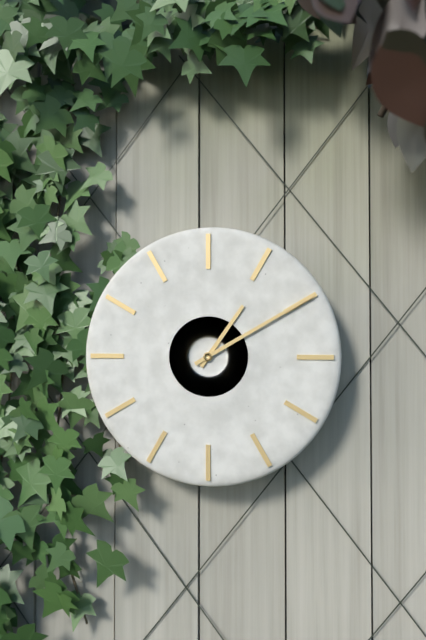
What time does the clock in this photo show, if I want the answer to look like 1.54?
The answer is 1.10
